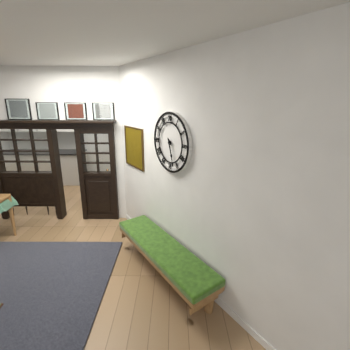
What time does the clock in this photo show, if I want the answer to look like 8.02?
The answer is 5.27
